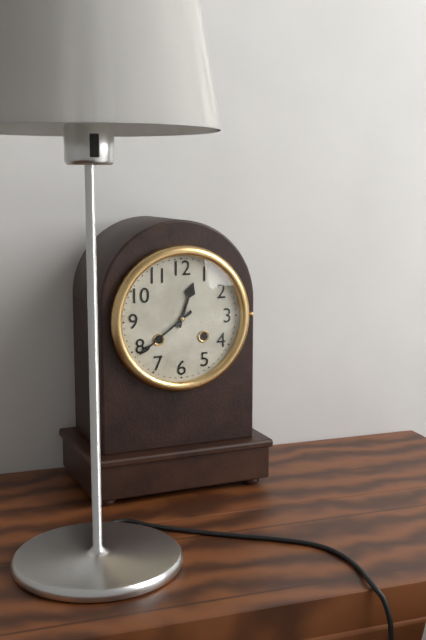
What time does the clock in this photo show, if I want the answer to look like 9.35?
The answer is 12.39
